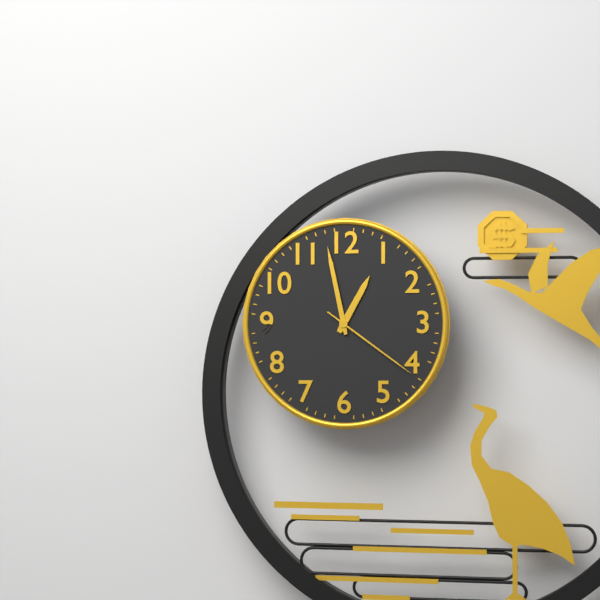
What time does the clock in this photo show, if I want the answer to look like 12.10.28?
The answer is 12.58.21
